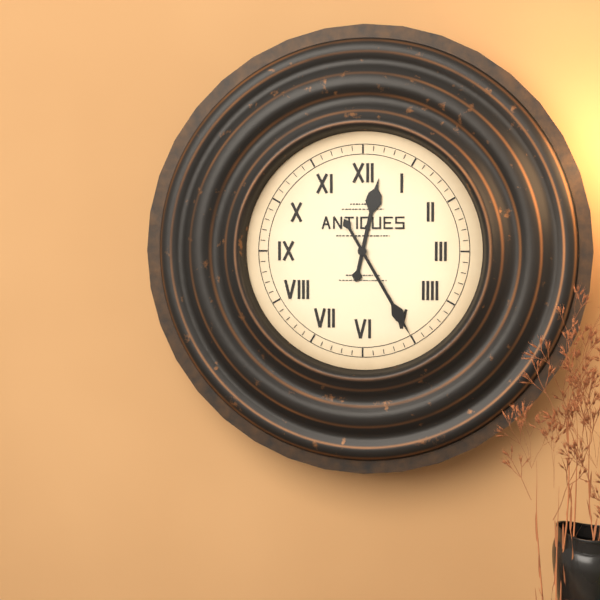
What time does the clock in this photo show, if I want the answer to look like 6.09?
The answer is 12.25
